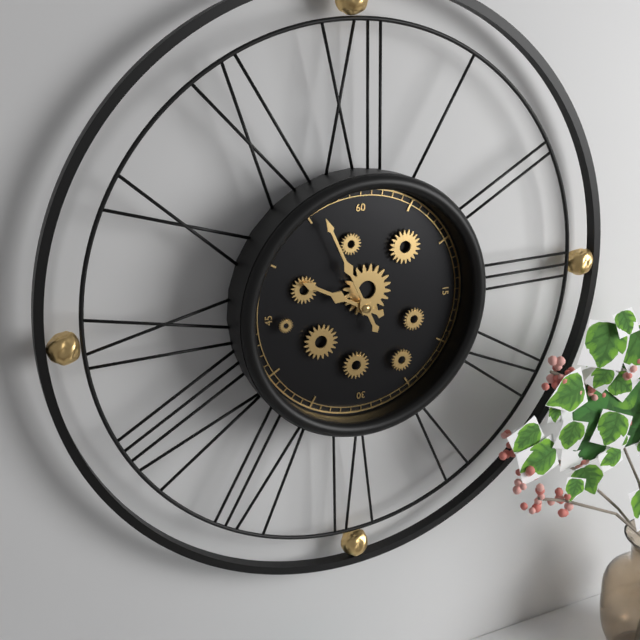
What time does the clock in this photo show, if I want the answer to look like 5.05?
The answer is 9.56
